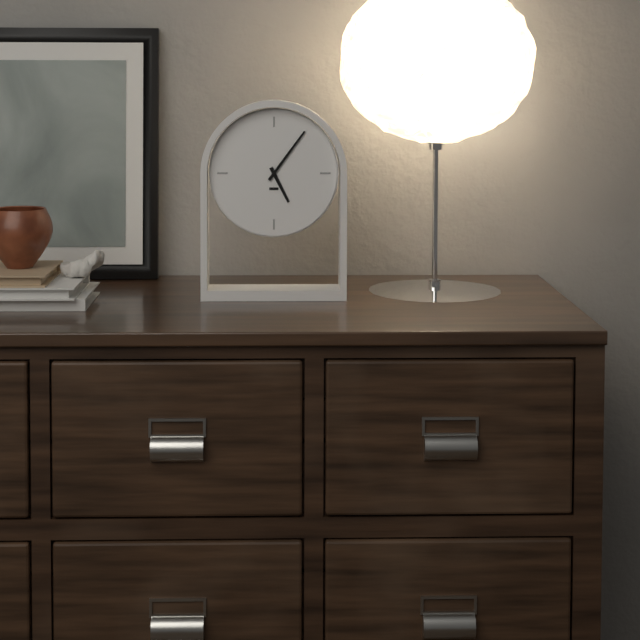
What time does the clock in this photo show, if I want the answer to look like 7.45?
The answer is 5.06
